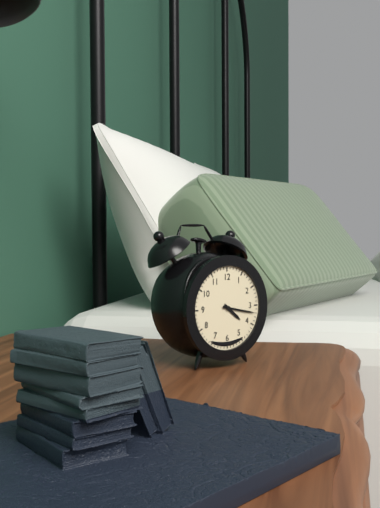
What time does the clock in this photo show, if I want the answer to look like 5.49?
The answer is 4.17
